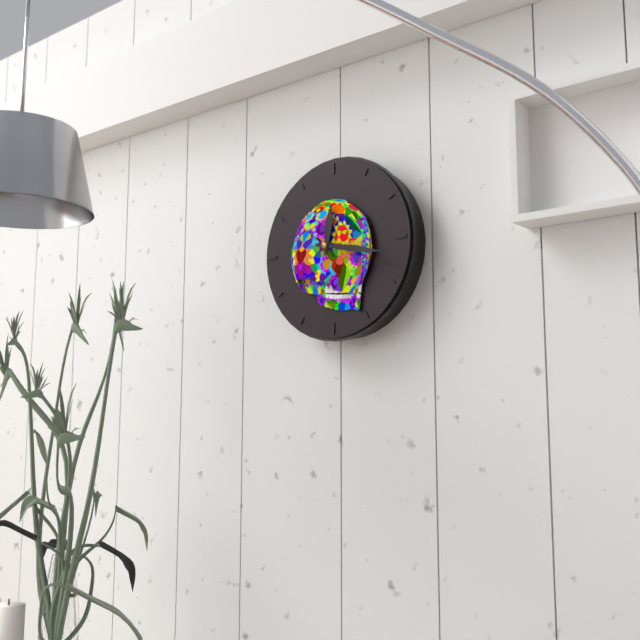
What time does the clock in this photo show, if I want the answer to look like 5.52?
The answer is 12.17
